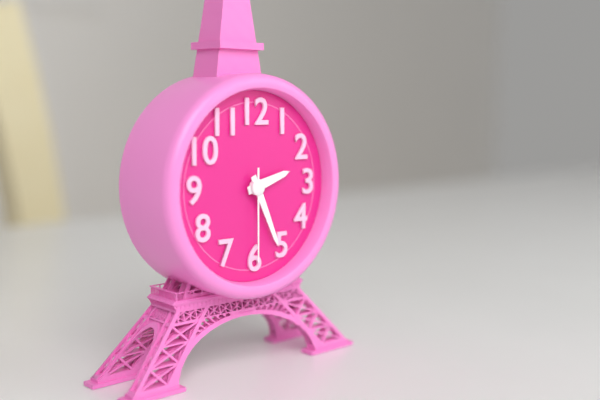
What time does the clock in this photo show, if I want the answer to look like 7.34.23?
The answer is 2.26.30
